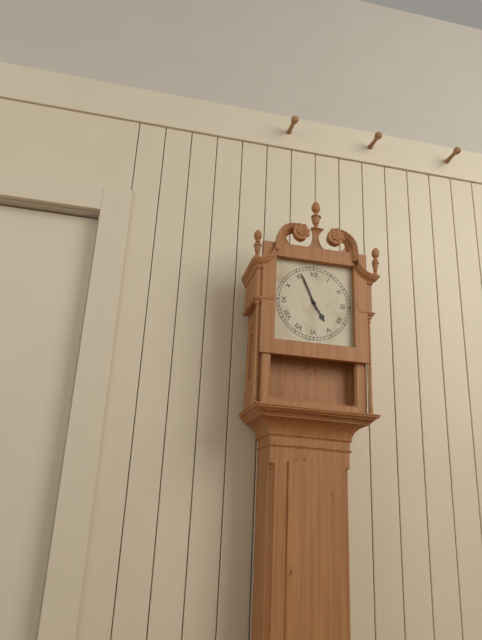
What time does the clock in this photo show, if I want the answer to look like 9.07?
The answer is 4.56
